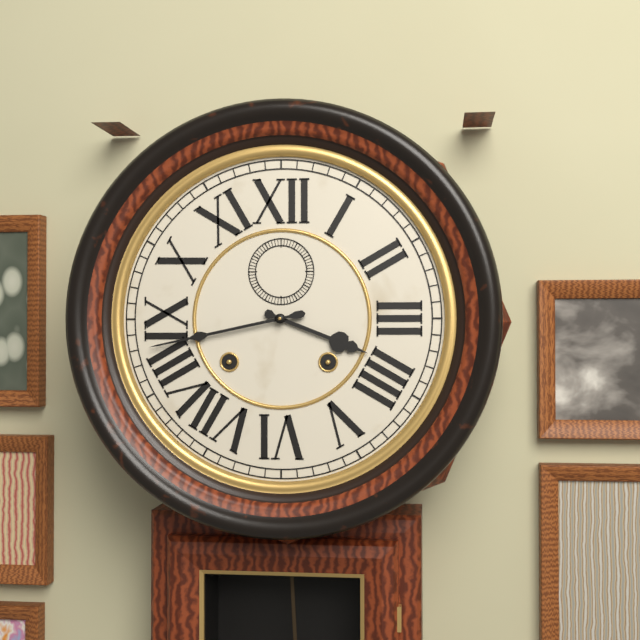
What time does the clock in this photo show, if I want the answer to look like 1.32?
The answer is 3.43
